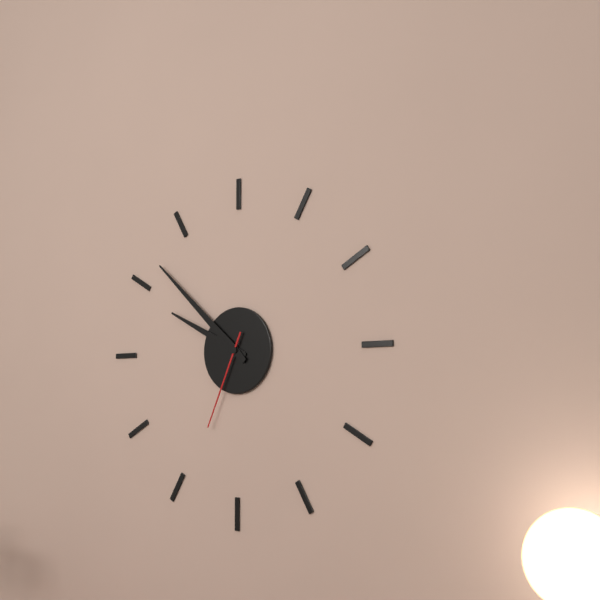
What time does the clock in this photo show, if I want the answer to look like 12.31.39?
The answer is 9.52.34
